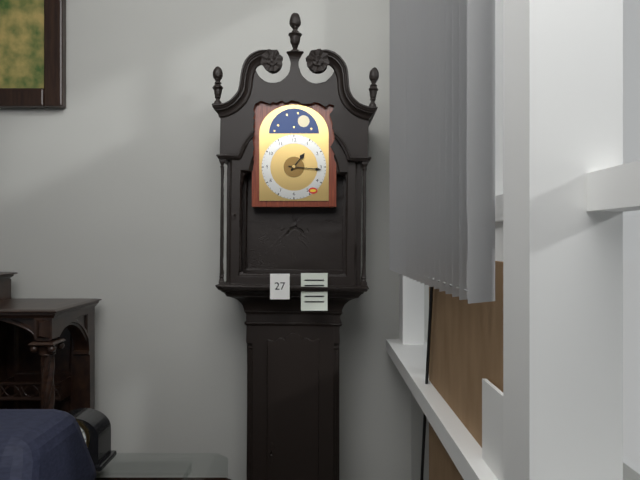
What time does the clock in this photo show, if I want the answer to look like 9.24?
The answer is 1.16
